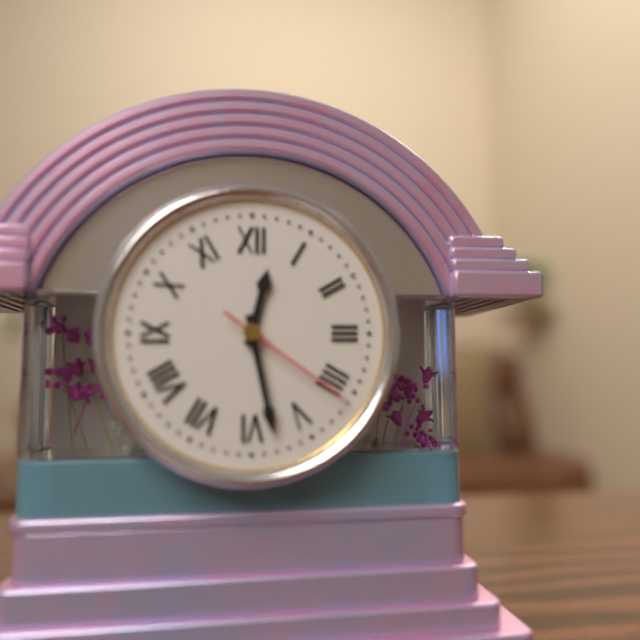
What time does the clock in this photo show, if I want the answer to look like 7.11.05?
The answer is 12.28.21
